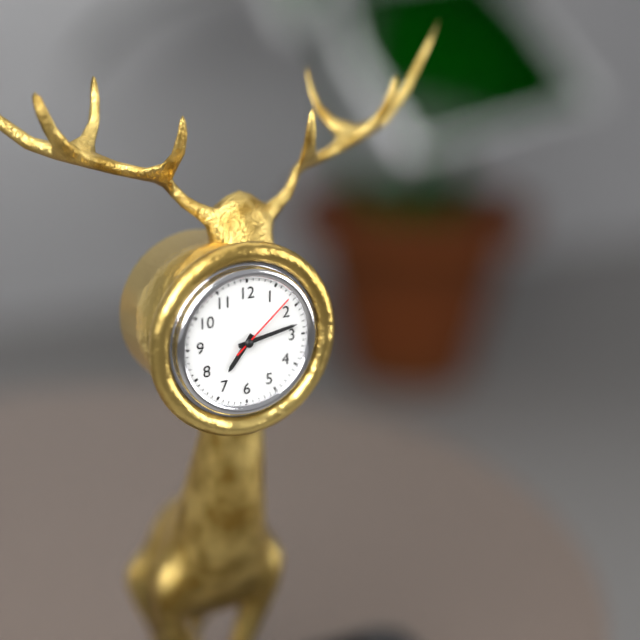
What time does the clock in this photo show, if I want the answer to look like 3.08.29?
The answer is 7.13.08
